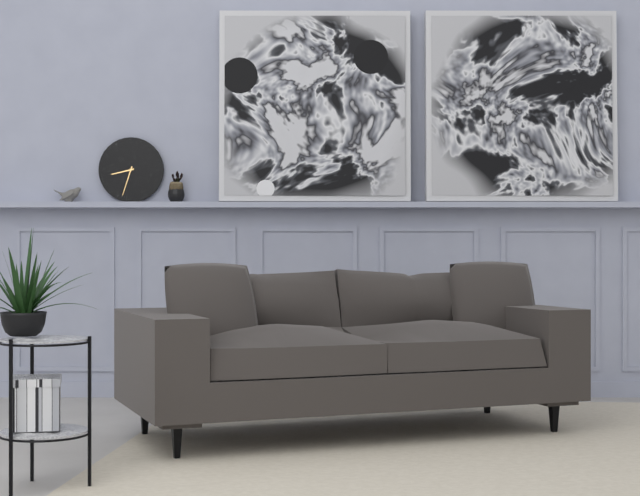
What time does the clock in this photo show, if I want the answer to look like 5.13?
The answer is 8.33
